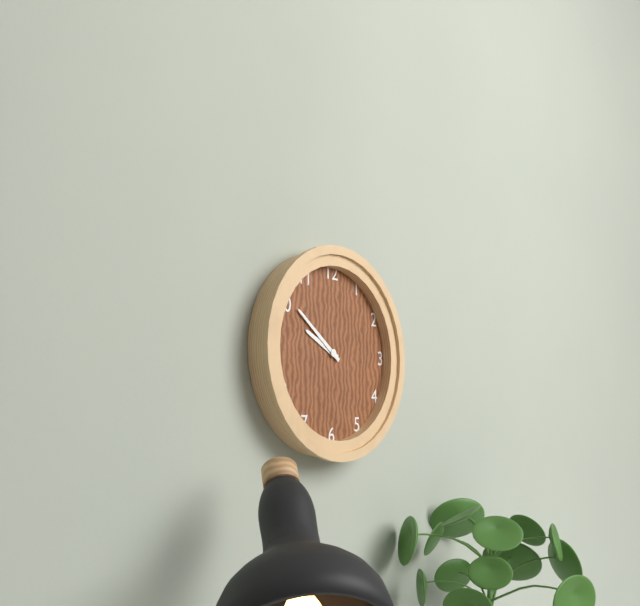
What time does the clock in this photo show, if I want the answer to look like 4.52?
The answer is 9.51
